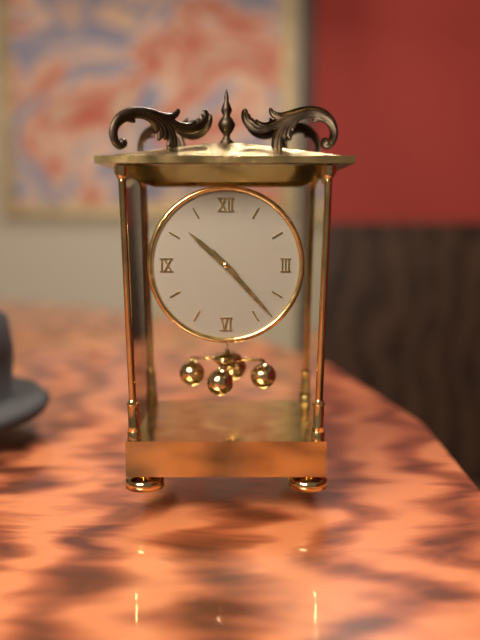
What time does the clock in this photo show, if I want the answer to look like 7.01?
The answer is 10.23
